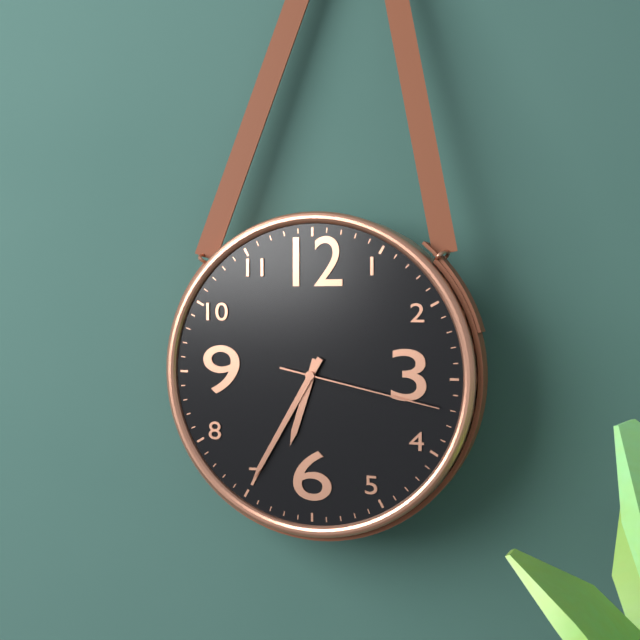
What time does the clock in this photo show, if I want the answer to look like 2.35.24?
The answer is 6.35.17
